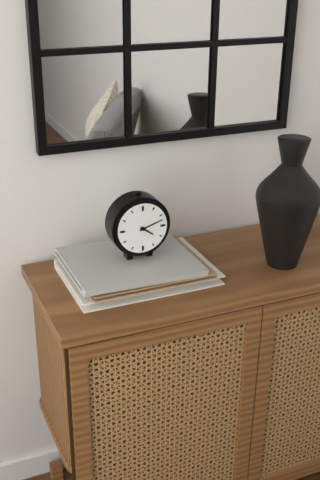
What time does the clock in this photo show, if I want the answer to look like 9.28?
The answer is 4.12
